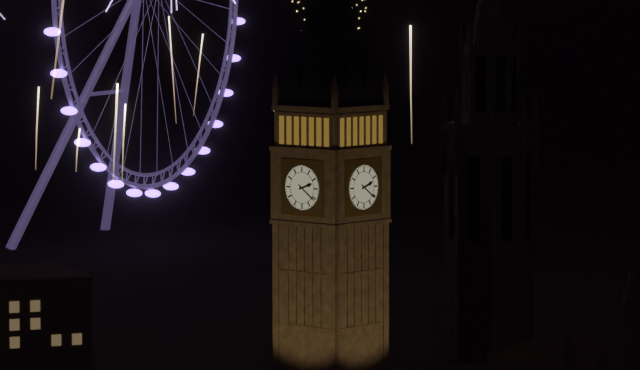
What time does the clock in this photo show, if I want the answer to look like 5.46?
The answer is 2.21
